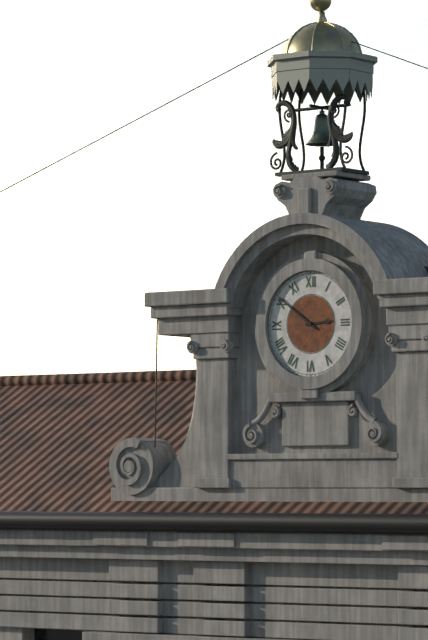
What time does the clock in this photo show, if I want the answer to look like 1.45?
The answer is 2.51
